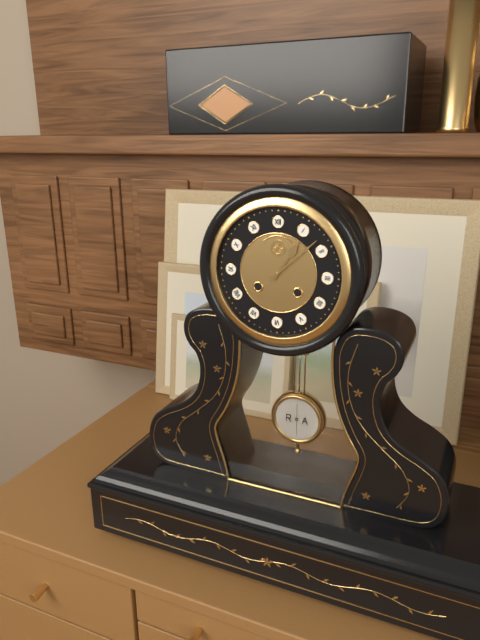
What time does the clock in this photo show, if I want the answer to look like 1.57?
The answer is 1.08
